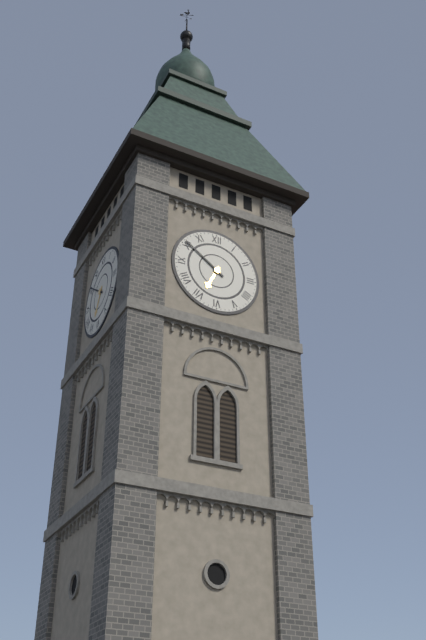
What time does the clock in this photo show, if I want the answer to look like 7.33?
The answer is 6.51
